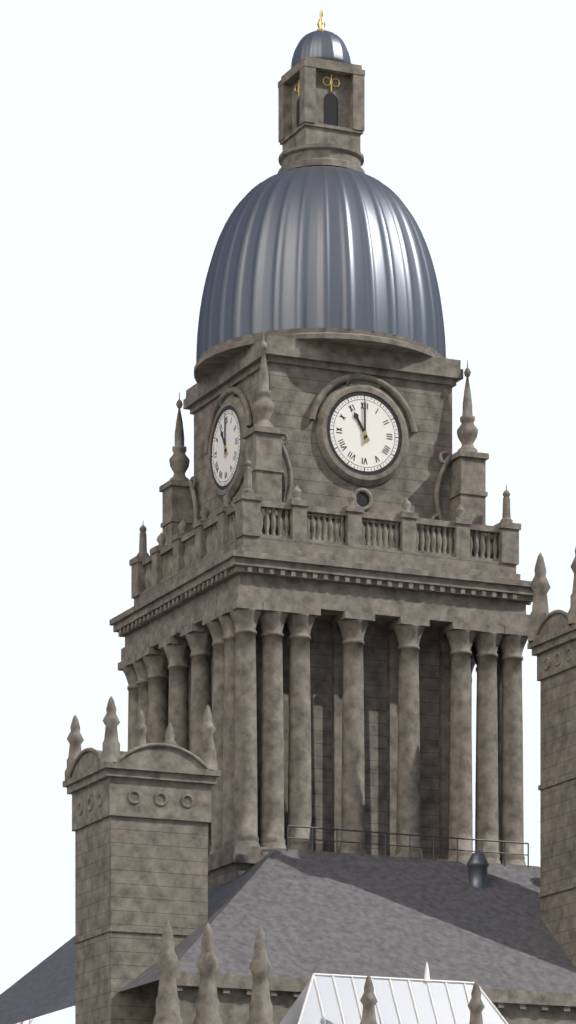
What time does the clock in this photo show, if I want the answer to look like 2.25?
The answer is 11.00
